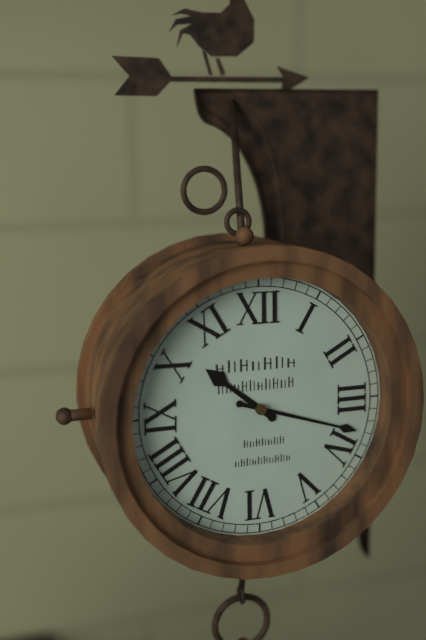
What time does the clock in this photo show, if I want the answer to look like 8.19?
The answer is 10.18
